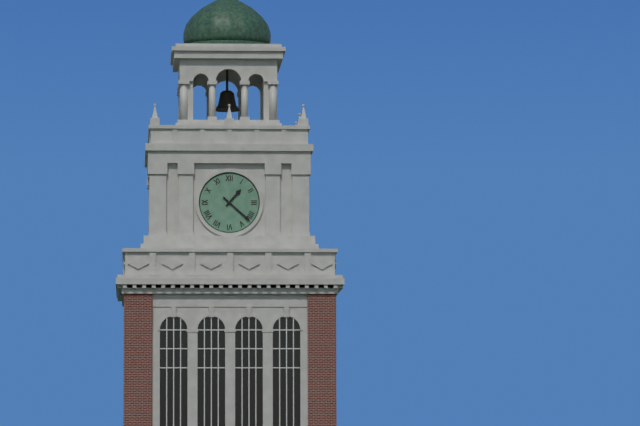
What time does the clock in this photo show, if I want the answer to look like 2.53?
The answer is 1.22
